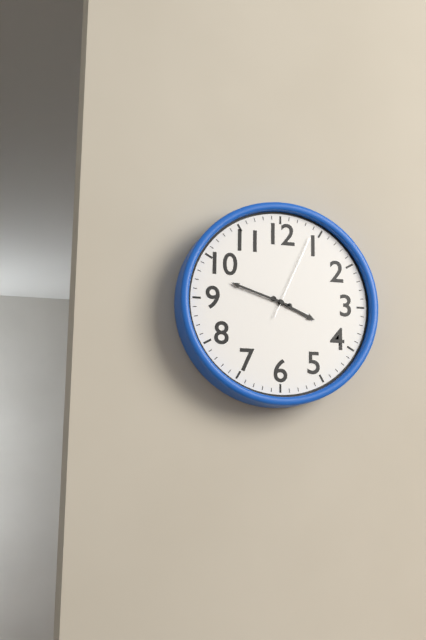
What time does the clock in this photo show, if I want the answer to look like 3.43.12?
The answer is 3.48.04
